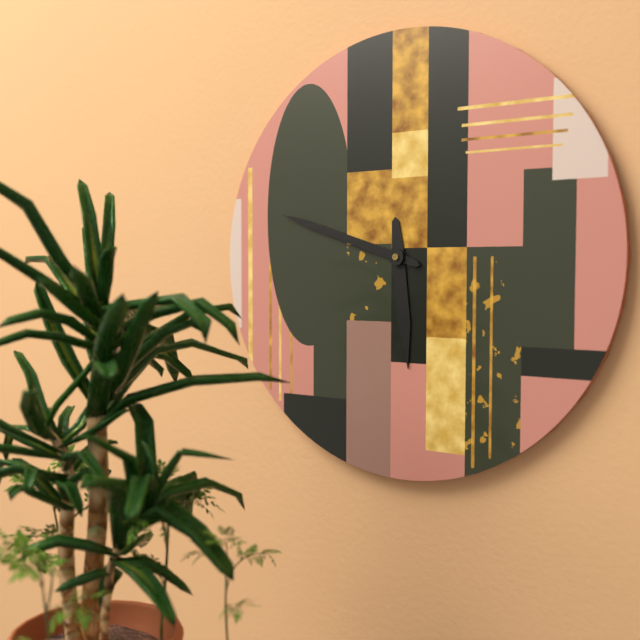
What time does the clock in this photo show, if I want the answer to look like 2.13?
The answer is 5.48
